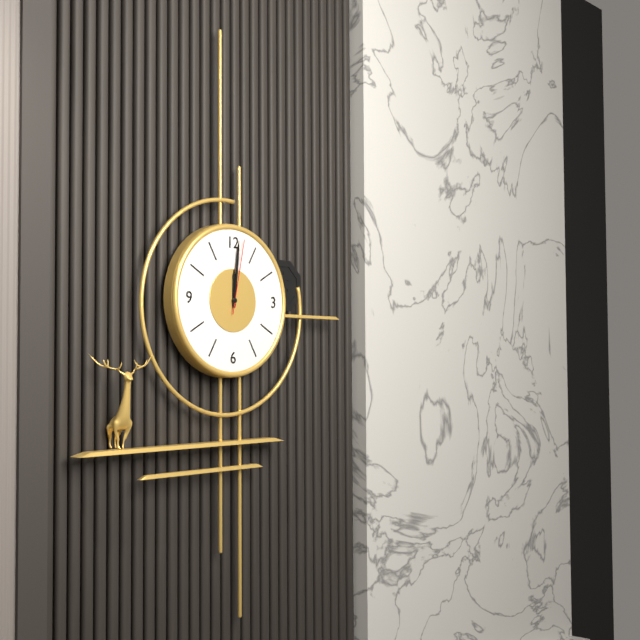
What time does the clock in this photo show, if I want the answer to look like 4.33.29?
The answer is 12.01.02
